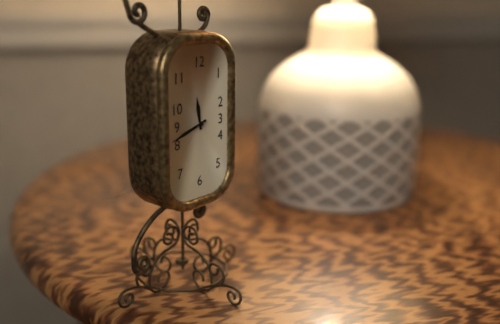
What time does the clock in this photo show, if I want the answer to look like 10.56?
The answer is 11.42
